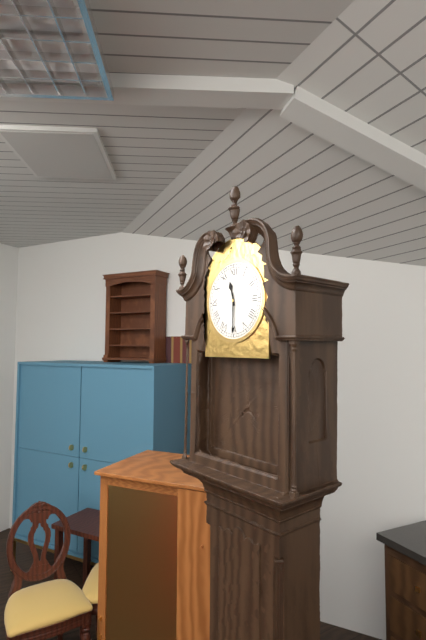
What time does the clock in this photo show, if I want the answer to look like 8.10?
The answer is 11.30
